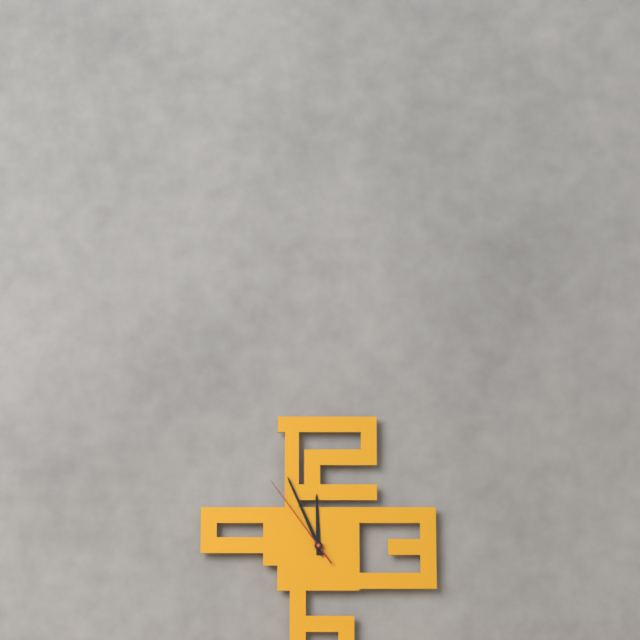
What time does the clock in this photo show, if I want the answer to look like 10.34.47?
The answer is 11.56.54
